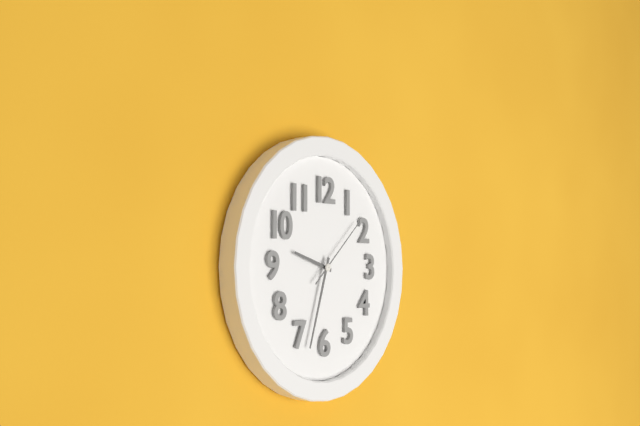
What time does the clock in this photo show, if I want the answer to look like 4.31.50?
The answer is 9.33.08
